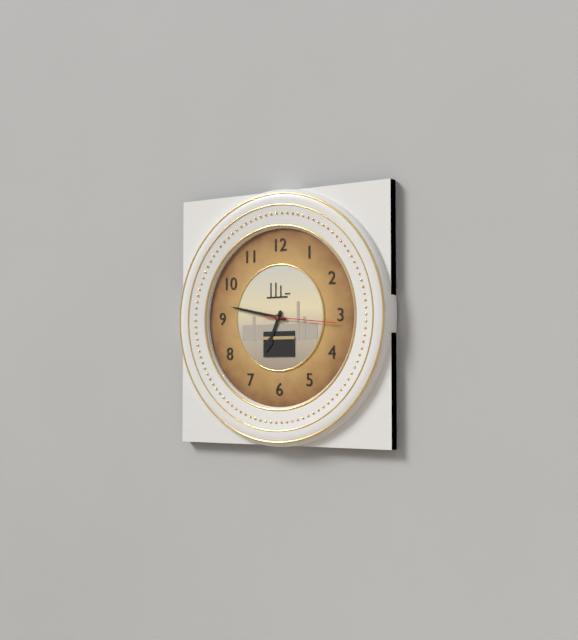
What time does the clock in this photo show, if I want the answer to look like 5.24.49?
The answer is 6.47.16
